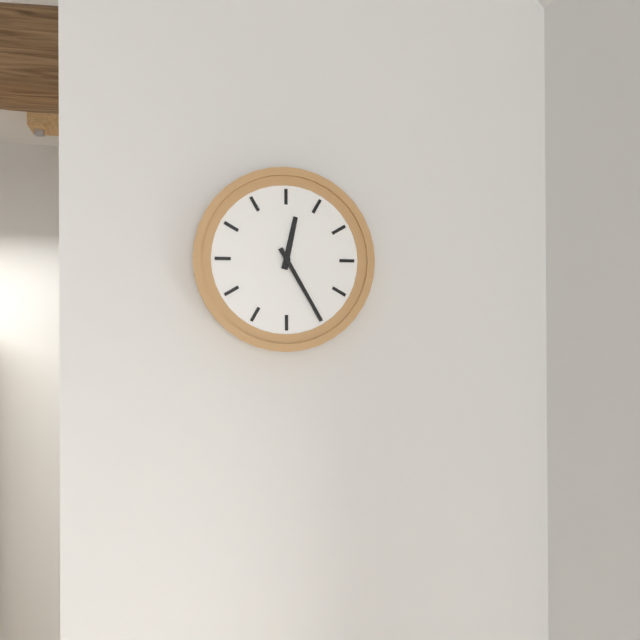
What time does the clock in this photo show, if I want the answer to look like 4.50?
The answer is 12.25
